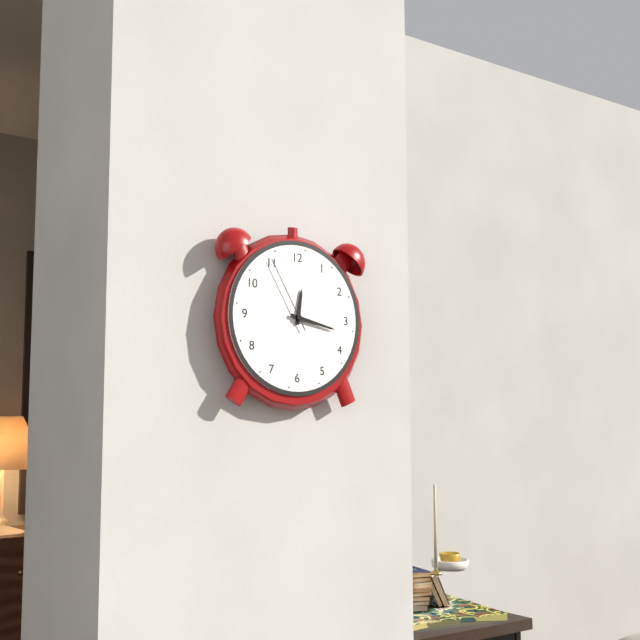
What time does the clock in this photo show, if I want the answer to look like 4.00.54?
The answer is 12.17.55
